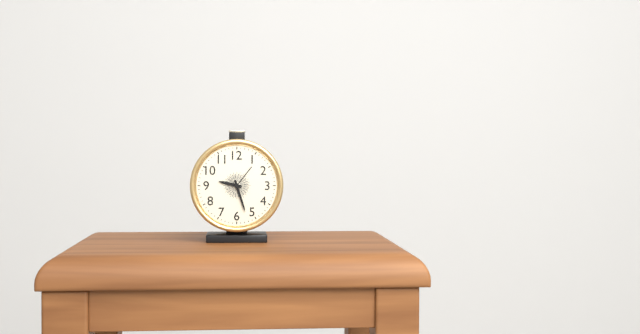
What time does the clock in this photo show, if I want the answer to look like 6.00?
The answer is 9.27
